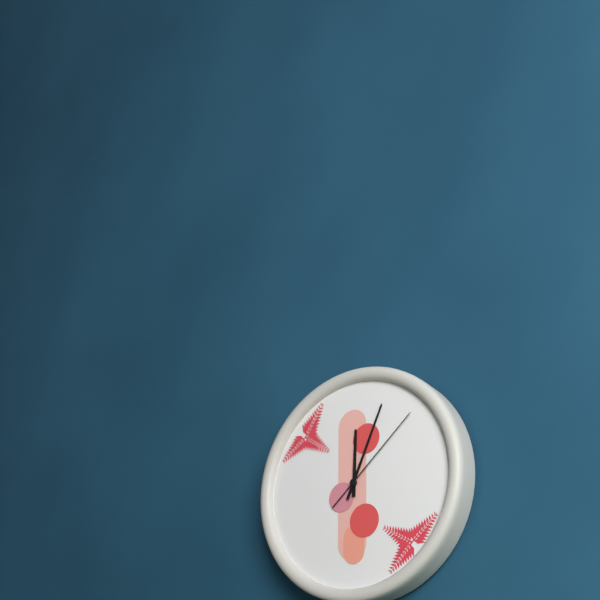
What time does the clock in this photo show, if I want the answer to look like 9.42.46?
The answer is 12.04.08
